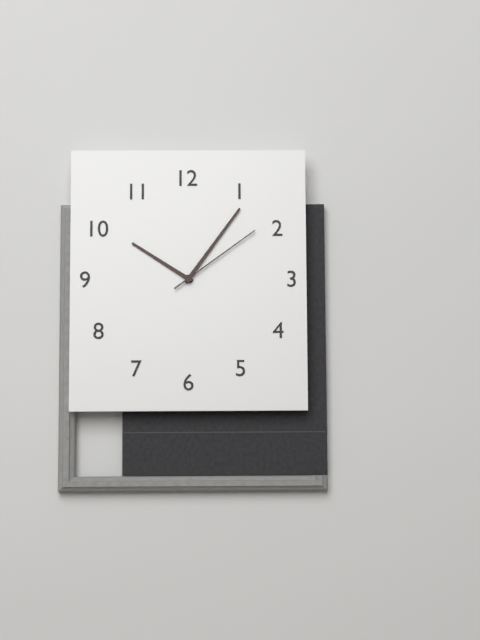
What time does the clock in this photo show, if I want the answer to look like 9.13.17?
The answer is 10.06.09
